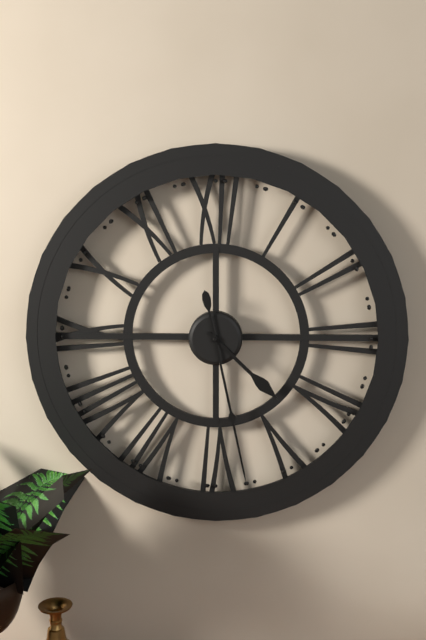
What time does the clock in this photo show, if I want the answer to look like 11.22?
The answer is 4.28
